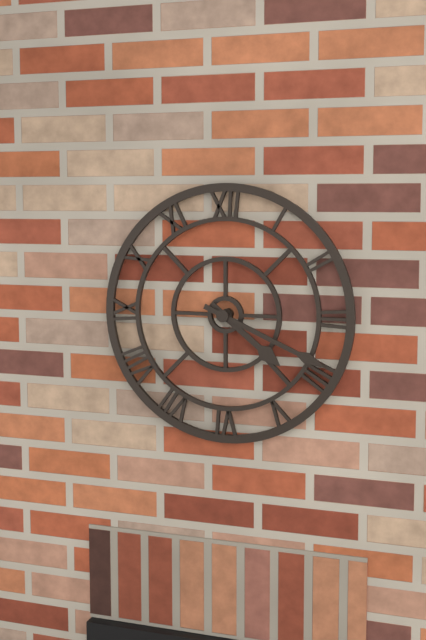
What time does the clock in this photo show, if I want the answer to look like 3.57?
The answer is 4.19
